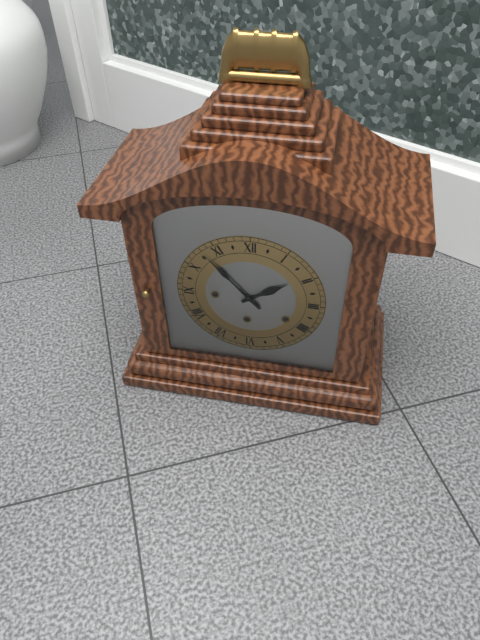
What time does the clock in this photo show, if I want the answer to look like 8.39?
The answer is 1.53
